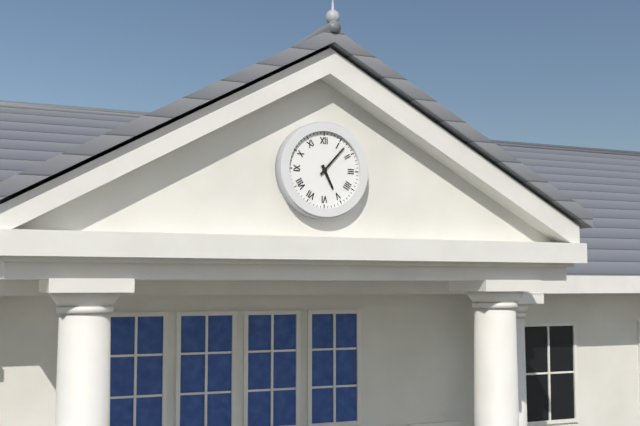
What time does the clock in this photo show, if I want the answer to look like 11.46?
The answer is 5.07
